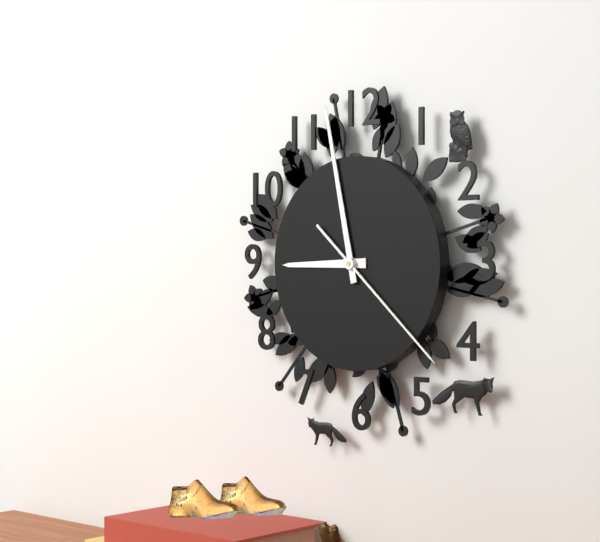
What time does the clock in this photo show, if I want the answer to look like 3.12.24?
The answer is 8.58.22
